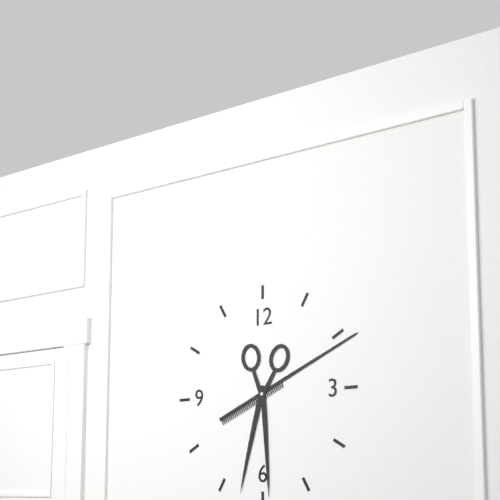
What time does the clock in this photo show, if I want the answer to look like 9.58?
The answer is 6.11
